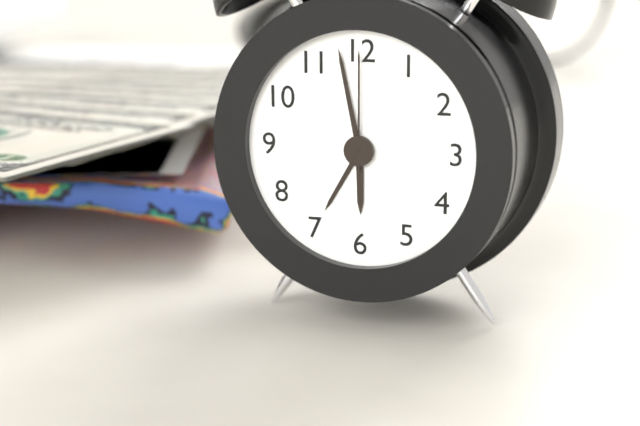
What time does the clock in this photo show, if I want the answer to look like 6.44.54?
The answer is 5.58.00
